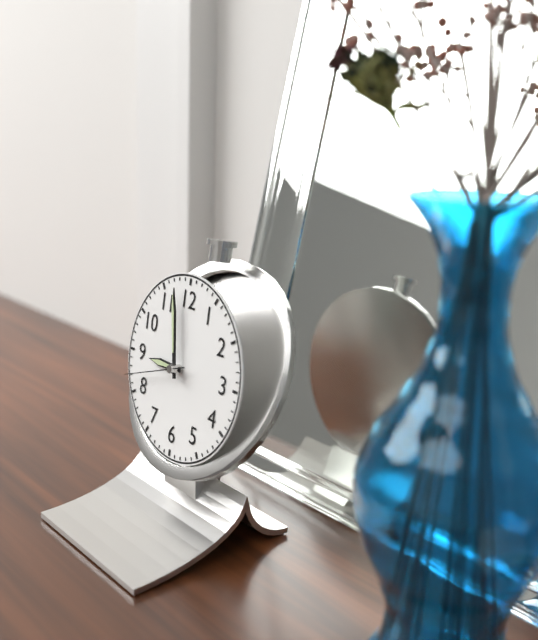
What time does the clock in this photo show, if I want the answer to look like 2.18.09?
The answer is 8.58.42
